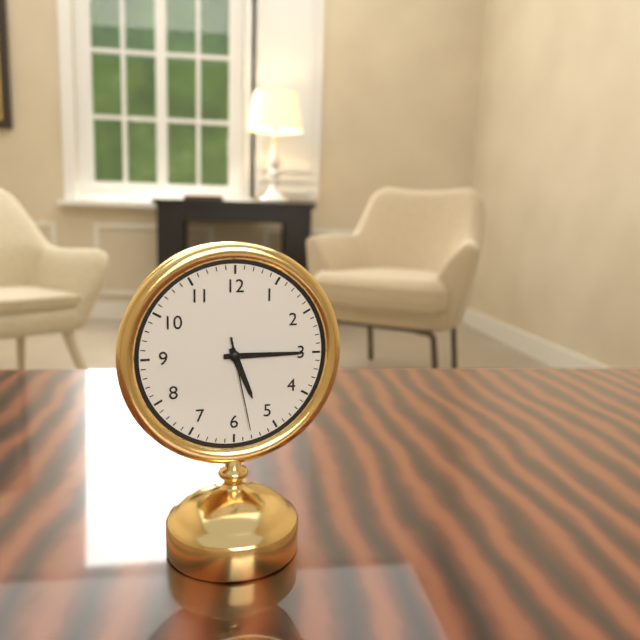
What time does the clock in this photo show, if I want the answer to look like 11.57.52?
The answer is 5.15.28
